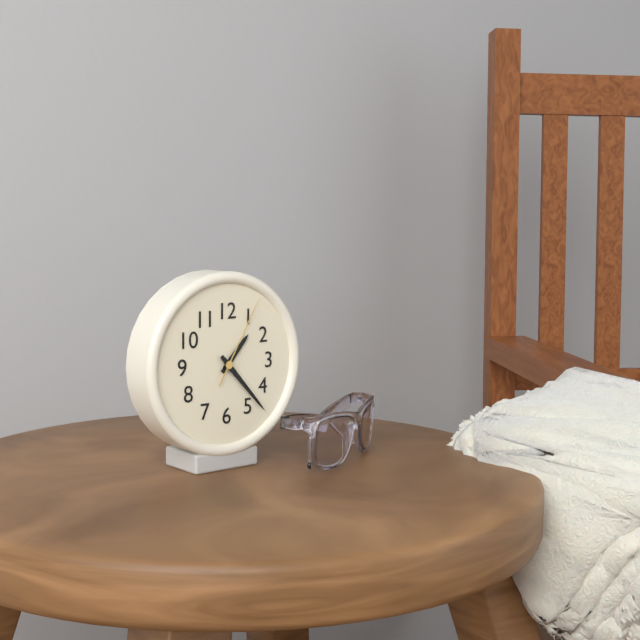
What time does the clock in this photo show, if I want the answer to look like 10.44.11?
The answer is 1.23.05
